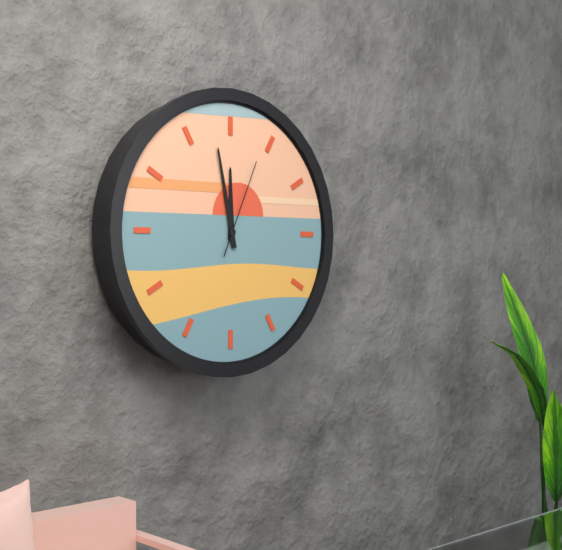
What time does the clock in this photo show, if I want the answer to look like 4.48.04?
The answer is 11.58.04
